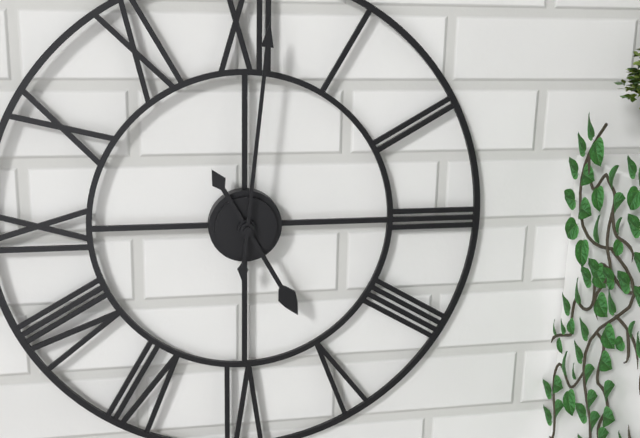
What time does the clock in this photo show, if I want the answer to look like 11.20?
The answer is 5.01
